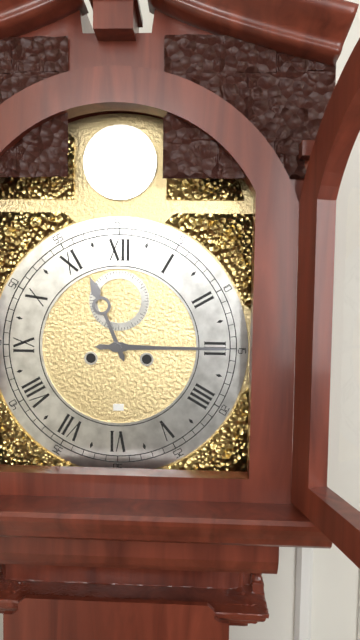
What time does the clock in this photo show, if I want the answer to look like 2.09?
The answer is 11.15
